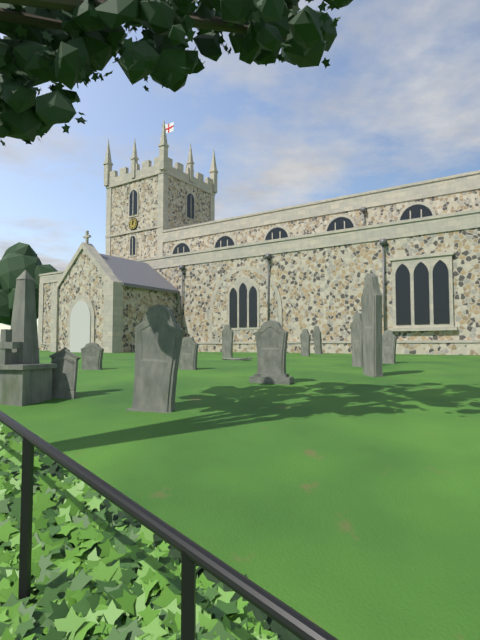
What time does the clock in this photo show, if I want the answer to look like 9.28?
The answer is 1.03
